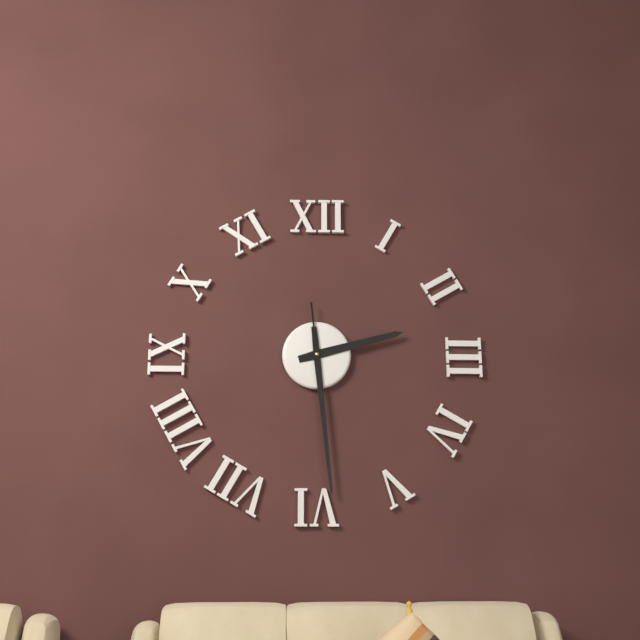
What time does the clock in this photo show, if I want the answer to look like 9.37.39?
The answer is 2.29.29
